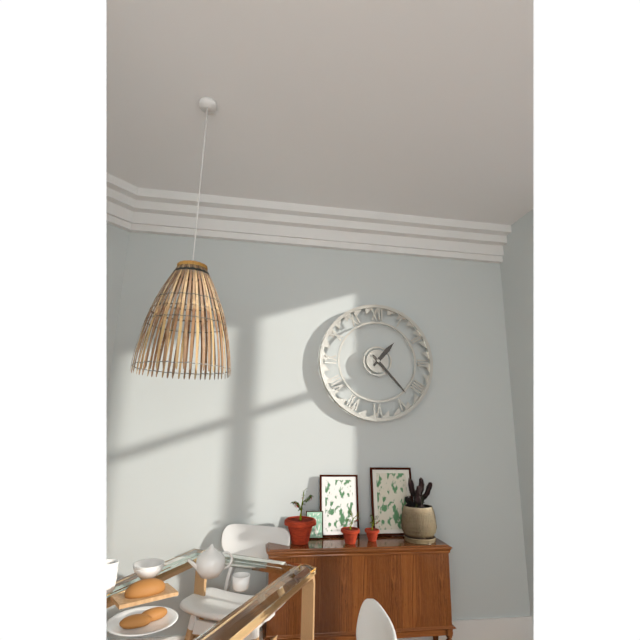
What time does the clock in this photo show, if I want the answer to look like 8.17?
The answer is 1.23
